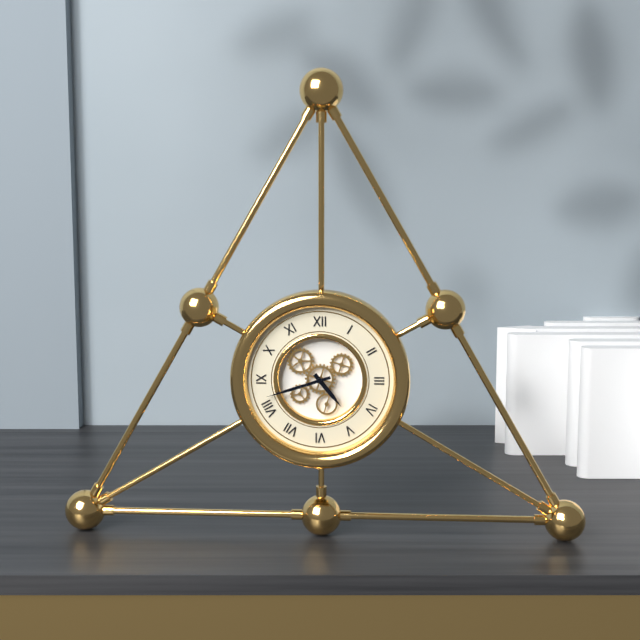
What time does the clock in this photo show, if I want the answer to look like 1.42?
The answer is 4.42
